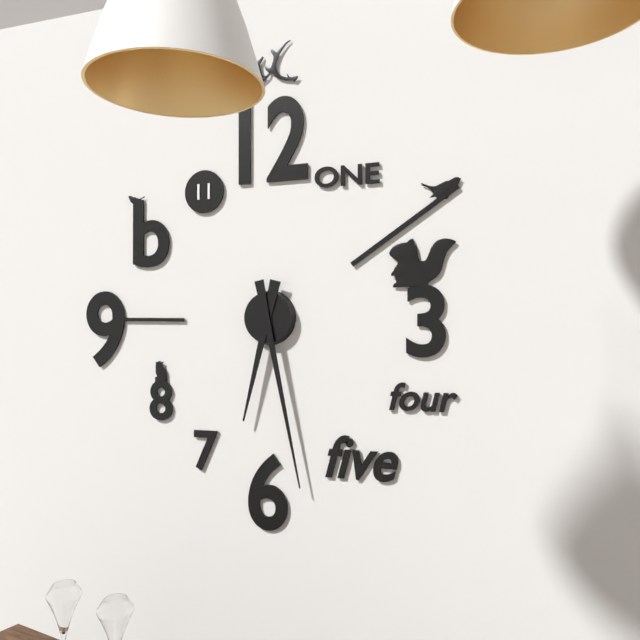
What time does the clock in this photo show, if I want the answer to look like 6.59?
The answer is 6.28
